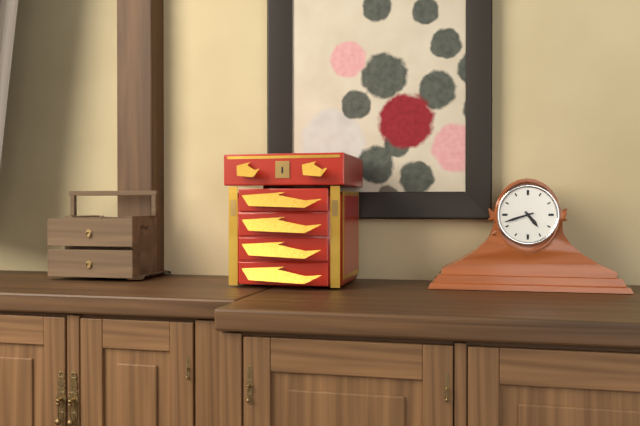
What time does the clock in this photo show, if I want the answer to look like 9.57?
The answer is 4.42
